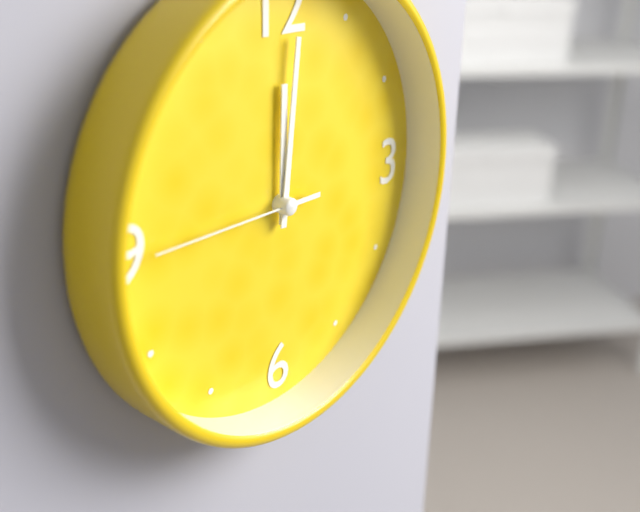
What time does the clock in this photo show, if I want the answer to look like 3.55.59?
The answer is 12.01.45
